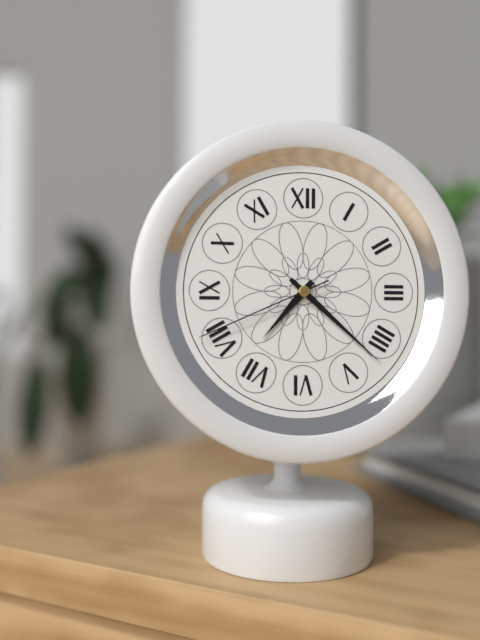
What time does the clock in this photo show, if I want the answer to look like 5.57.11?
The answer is 7.22.41
